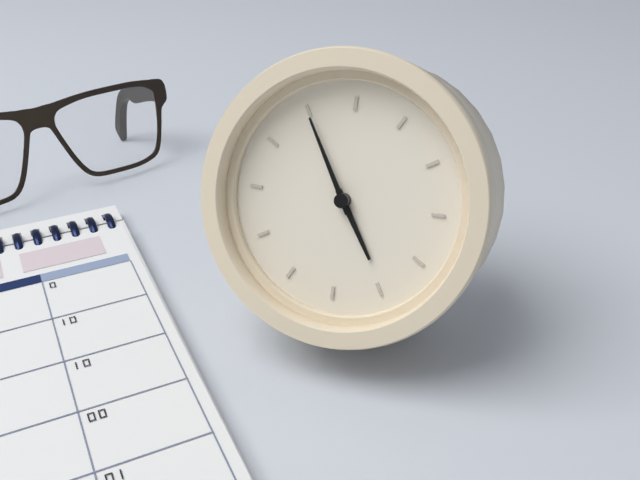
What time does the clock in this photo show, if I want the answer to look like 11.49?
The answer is 4.55
